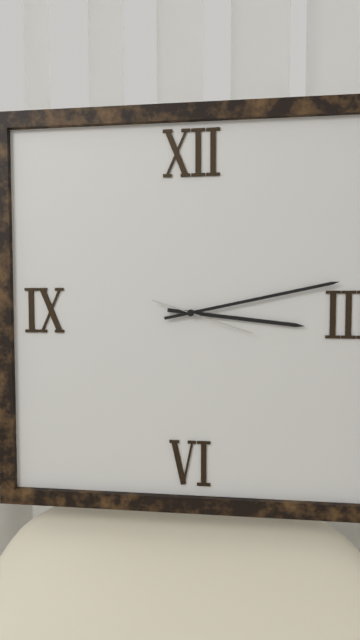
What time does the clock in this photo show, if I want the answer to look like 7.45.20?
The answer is 3.13.18
